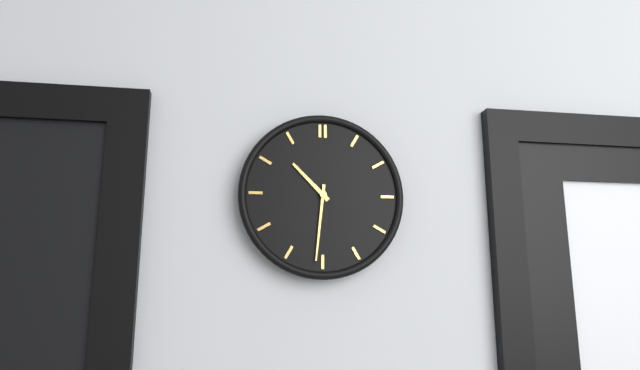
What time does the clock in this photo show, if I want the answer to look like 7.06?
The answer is 10.31
